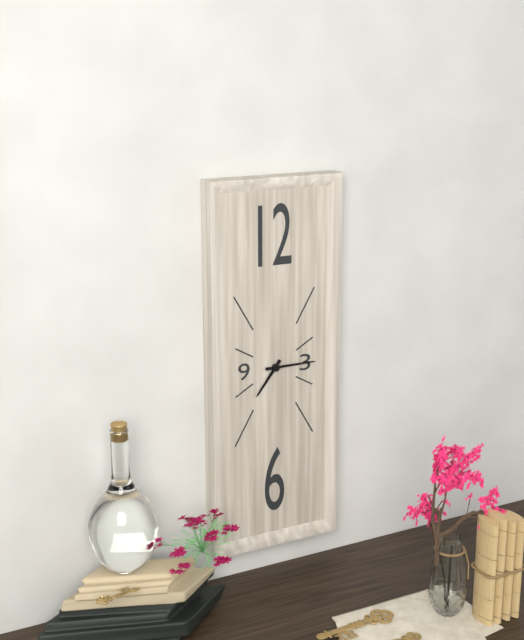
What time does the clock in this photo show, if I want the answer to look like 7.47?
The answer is 7.15
